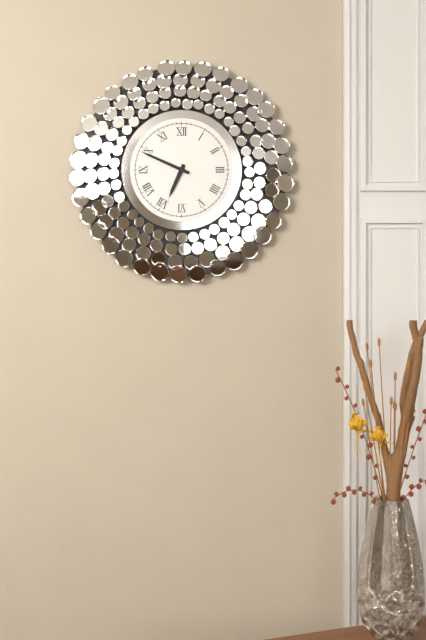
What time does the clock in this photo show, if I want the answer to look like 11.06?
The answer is 6.49
